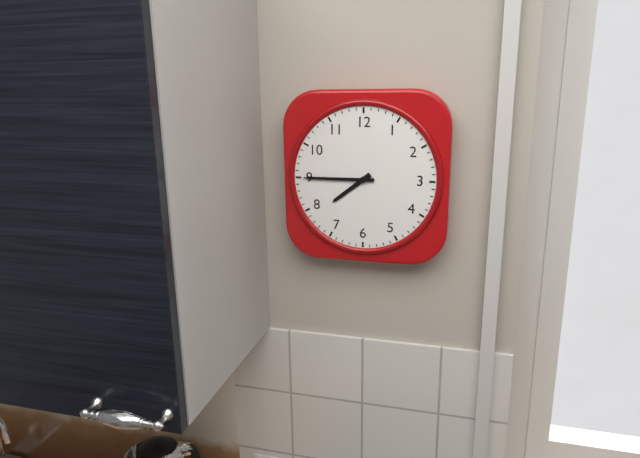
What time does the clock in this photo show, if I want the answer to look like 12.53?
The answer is 7.45
